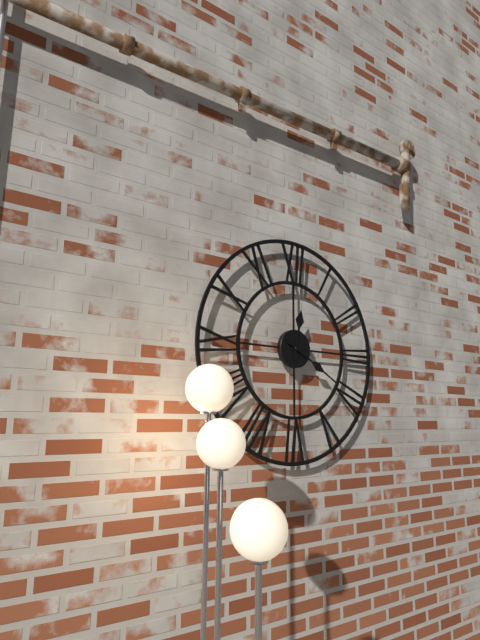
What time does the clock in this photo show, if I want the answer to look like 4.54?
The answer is 12.20
